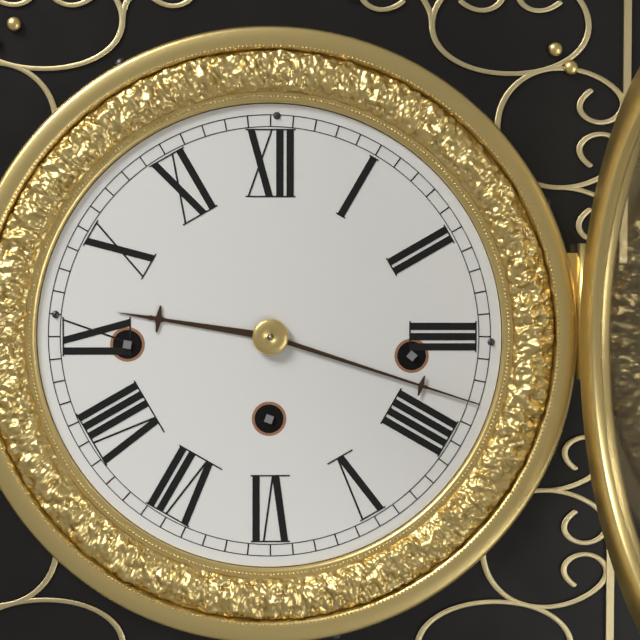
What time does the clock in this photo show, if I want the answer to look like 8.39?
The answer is 9.18
